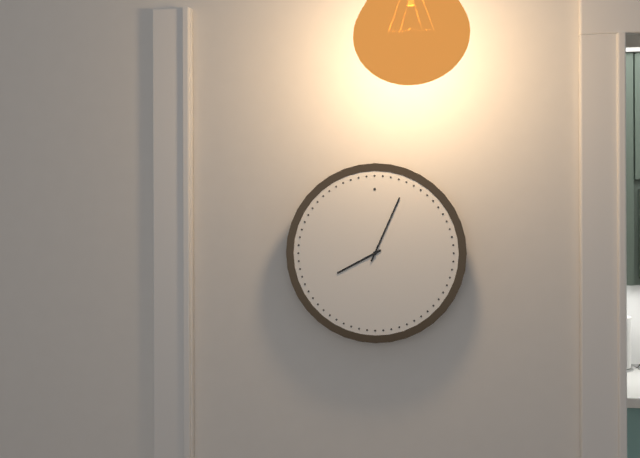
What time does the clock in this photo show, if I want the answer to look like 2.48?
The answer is 8.04
